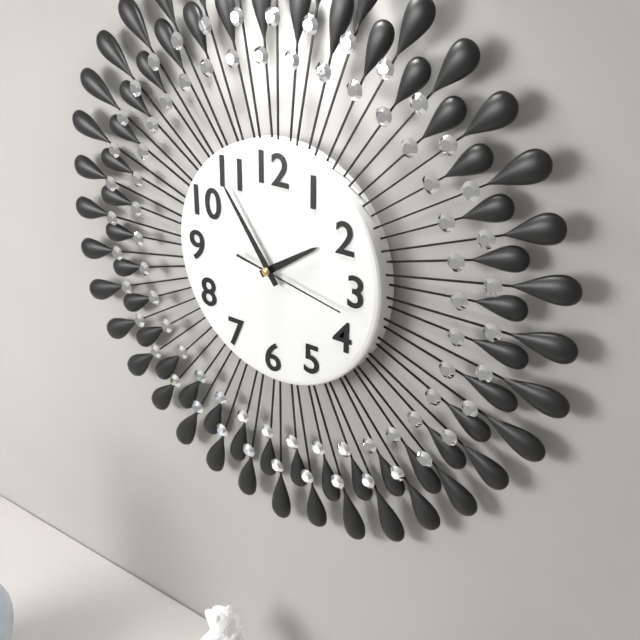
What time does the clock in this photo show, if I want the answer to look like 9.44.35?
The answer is 1.54.17
